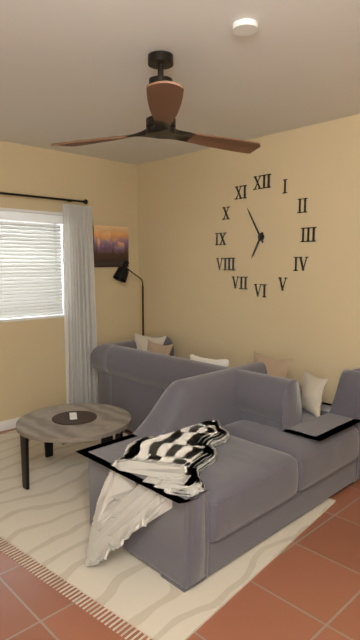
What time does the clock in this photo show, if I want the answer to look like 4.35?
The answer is 6.55
